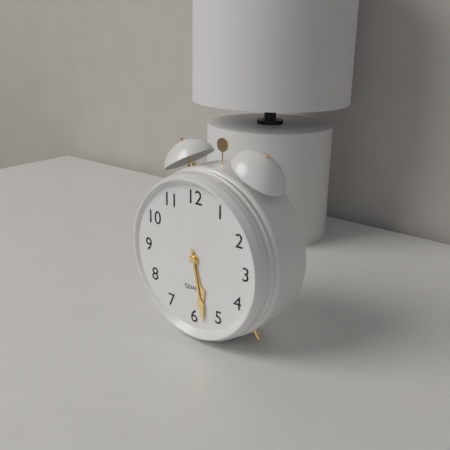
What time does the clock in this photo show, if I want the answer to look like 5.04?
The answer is 5.28
